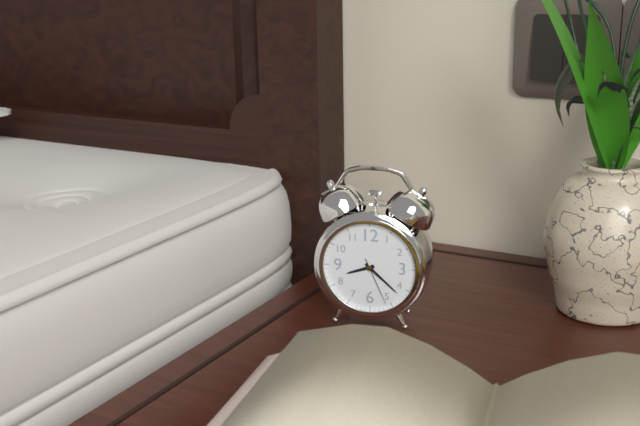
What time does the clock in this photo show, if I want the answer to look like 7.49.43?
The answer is 8.22.26
